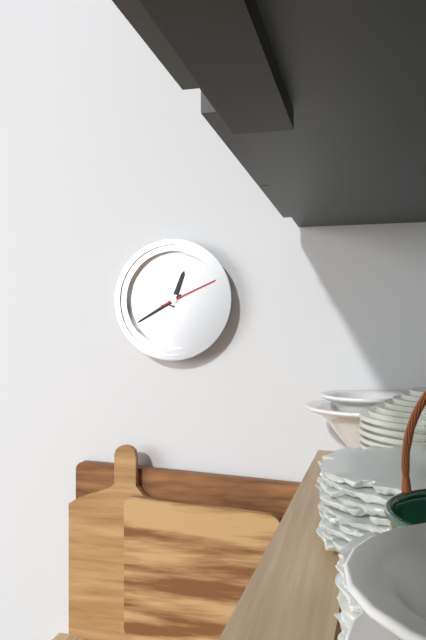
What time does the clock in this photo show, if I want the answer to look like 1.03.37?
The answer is 12.40.11
